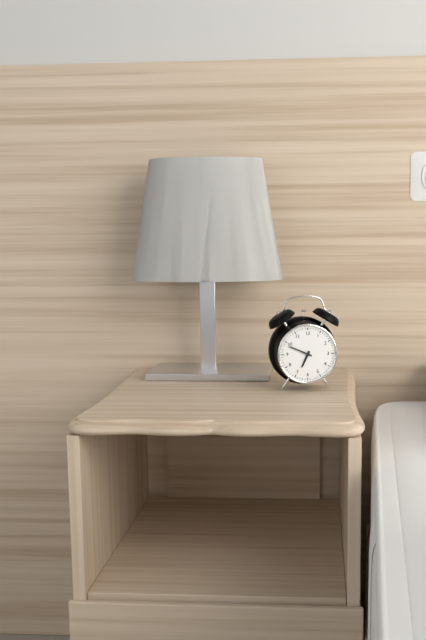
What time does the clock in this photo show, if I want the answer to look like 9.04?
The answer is 6.49
